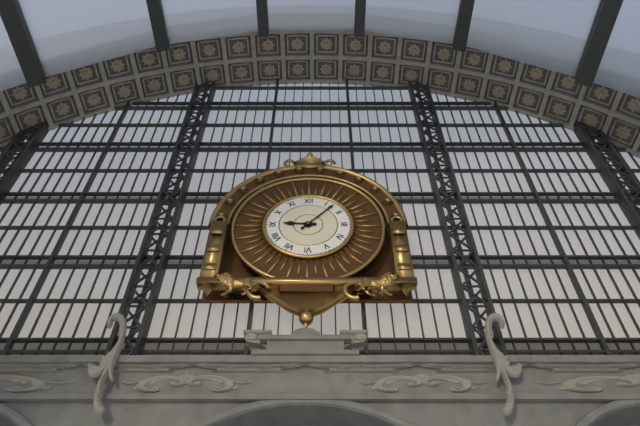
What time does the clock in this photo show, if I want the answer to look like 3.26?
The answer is 9.07
